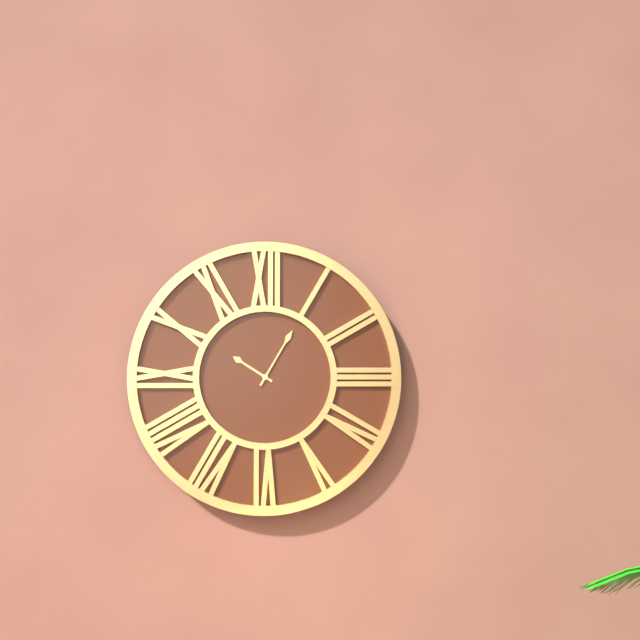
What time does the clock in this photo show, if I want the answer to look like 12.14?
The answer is 10.05
